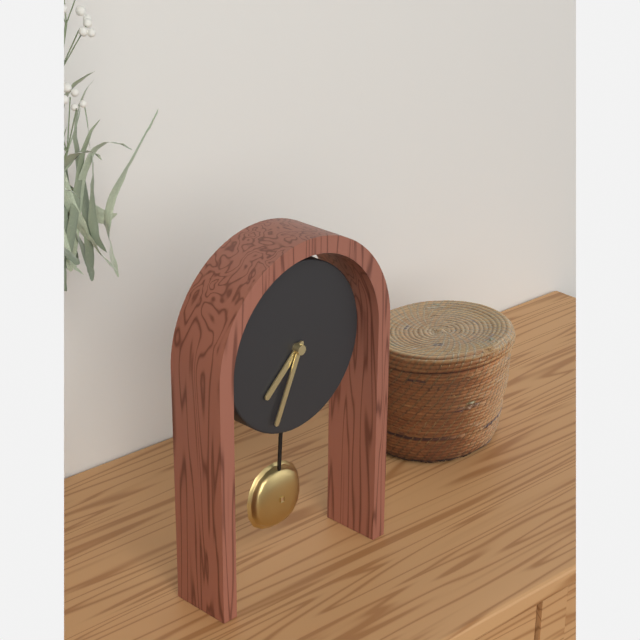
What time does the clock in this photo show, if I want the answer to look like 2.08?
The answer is 7.34
